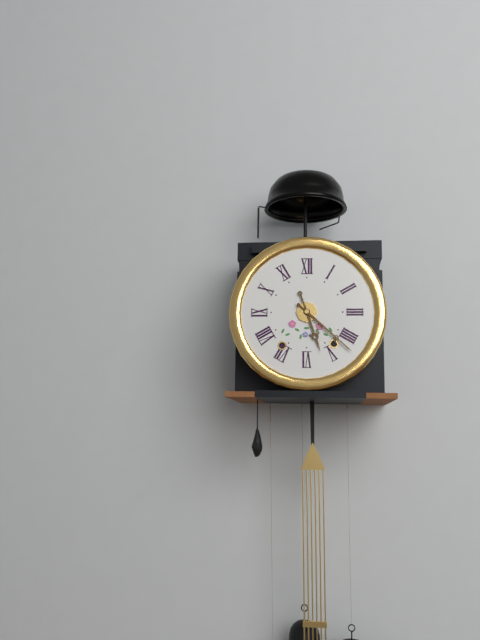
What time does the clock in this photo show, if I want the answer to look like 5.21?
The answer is 5.22
